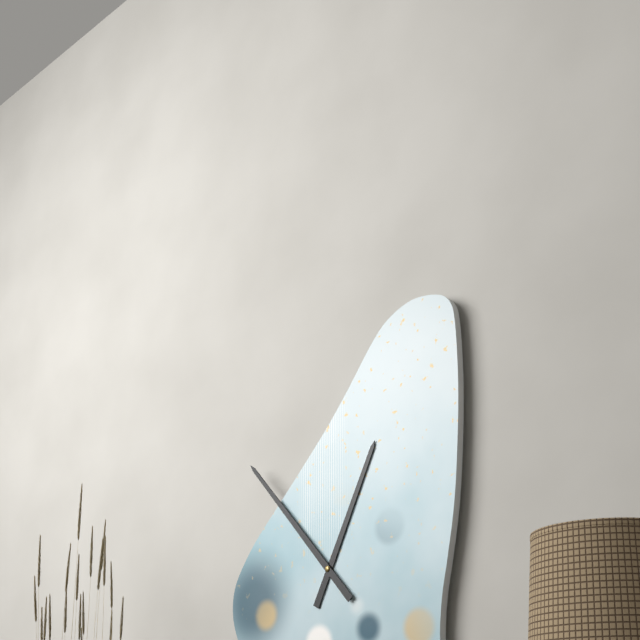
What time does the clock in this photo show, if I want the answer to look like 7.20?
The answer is 12.53
